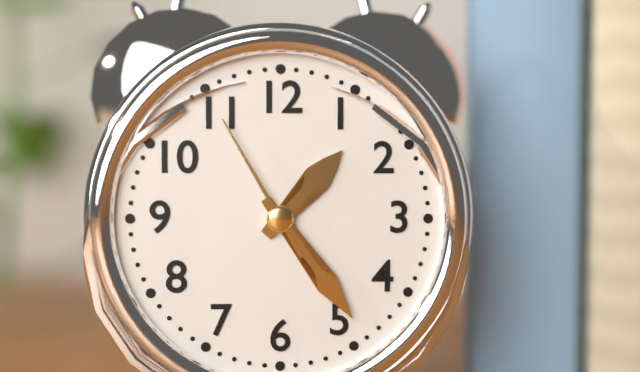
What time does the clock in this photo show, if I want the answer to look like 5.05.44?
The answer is 1.24.55
